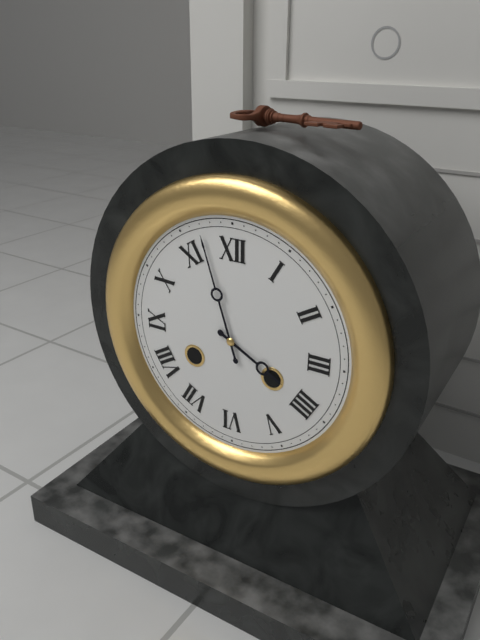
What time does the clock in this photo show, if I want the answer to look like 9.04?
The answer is 3.57
